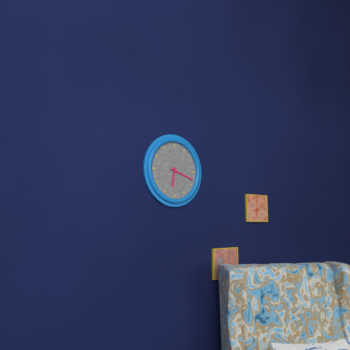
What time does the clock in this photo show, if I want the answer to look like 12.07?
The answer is 6.18
